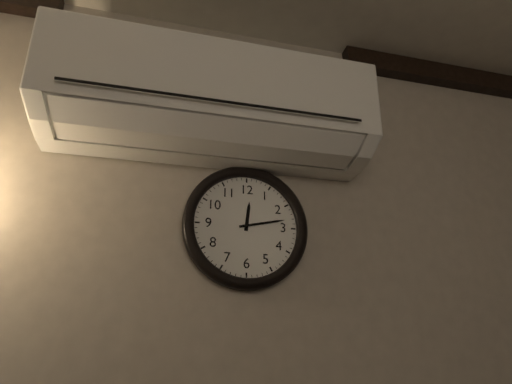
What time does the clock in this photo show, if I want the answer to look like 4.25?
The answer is 12.13
